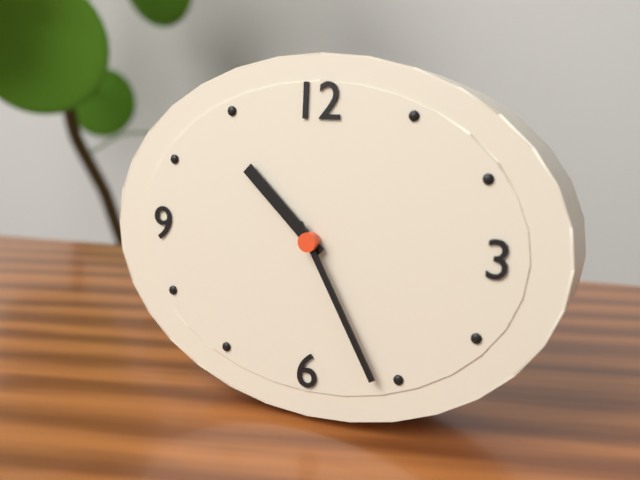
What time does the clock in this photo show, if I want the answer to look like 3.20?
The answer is 10.25
